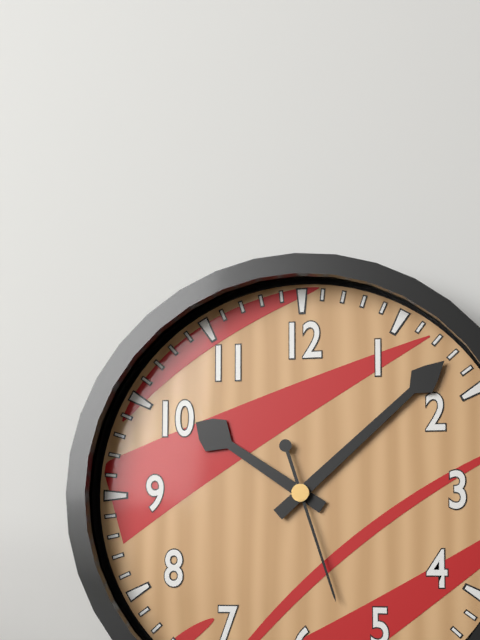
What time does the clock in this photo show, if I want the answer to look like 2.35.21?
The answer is 10.08.27
